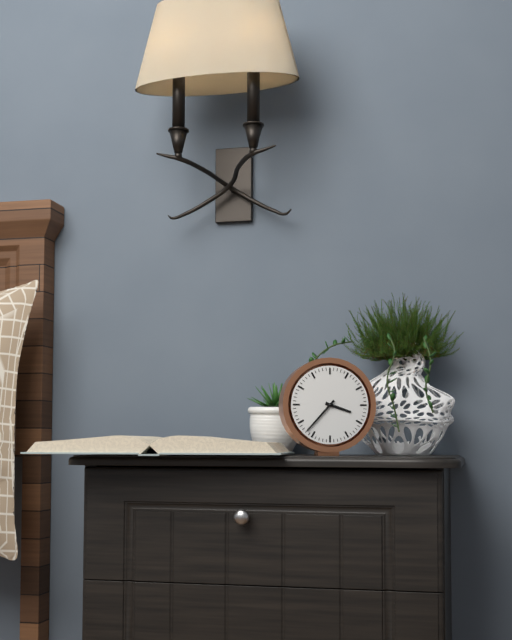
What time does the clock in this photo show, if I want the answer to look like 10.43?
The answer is 3.37
